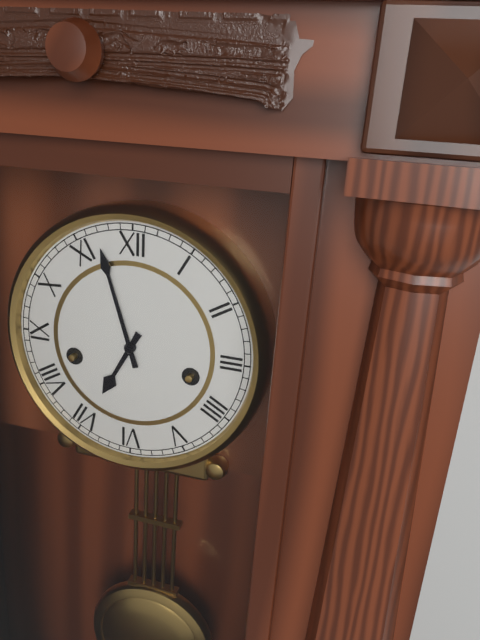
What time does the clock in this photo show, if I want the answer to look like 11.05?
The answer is 6.57
